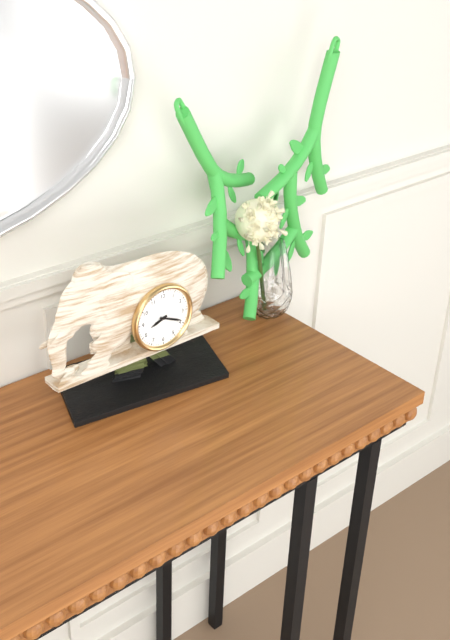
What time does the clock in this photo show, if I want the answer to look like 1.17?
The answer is 8.19
